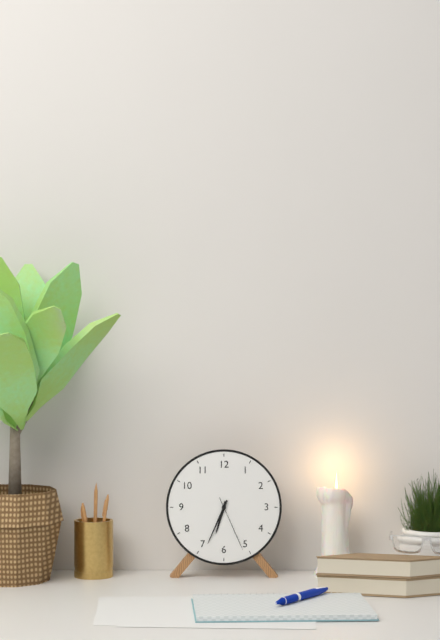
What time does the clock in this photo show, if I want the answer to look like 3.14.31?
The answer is 6.34.26
